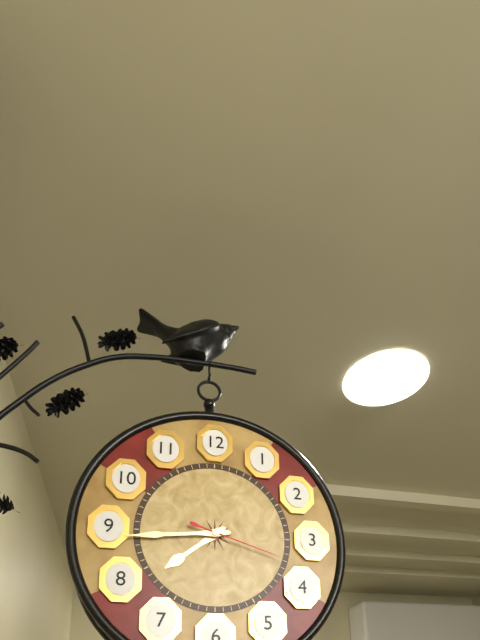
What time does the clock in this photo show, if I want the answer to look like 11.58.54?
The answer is 7.44.18
